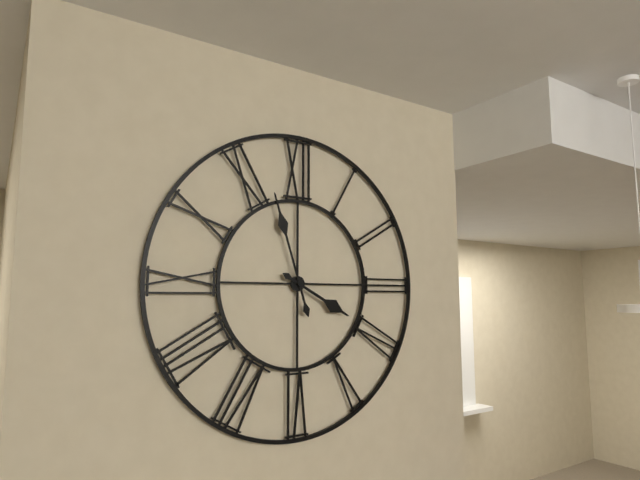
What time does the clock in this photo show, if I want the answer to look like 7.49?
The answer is 3.57
